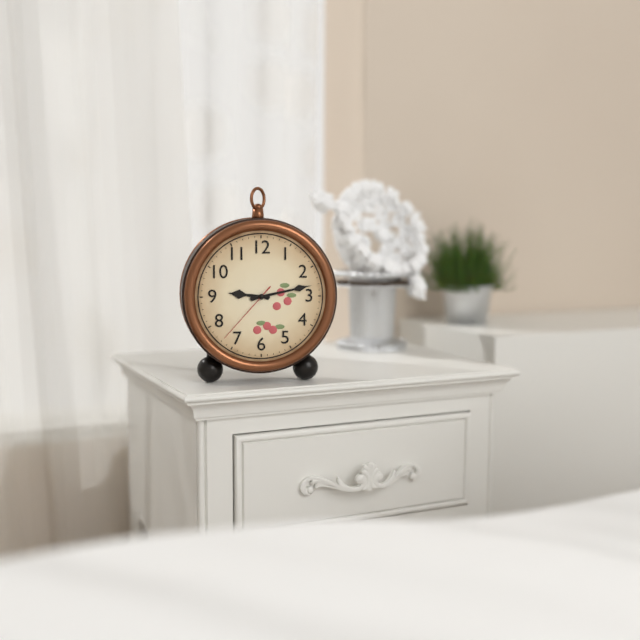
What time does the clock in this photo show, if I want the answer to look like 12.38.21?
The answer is 9.13.37
